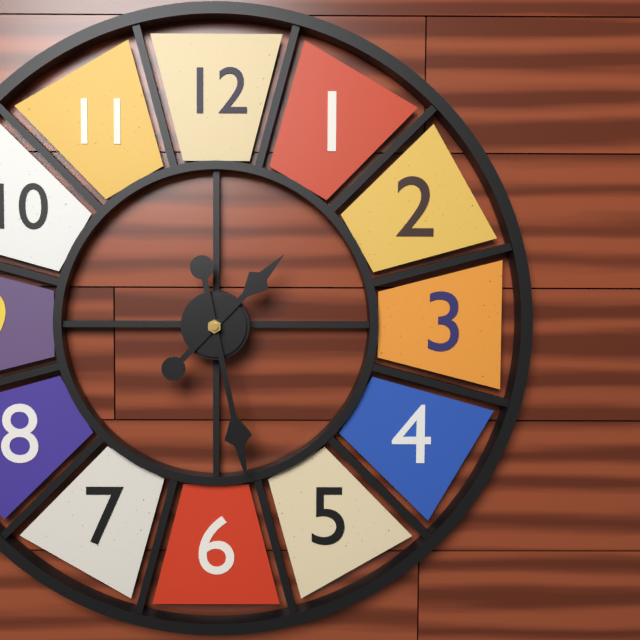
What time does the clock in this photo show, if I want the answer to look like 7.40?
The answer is 1.28
